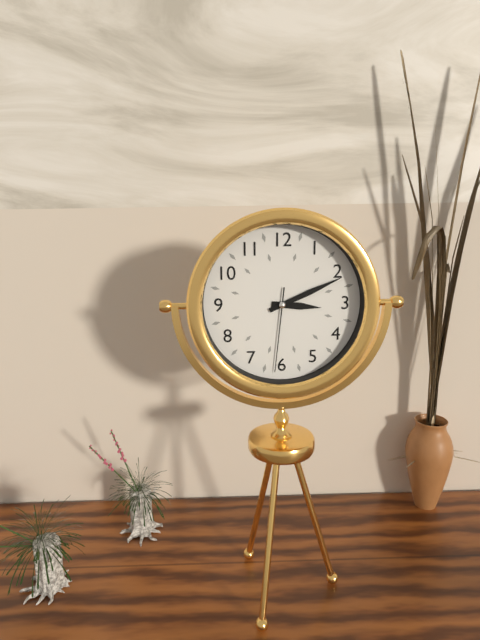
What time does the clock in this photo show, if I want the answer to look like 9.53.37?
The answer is 3.11.31
